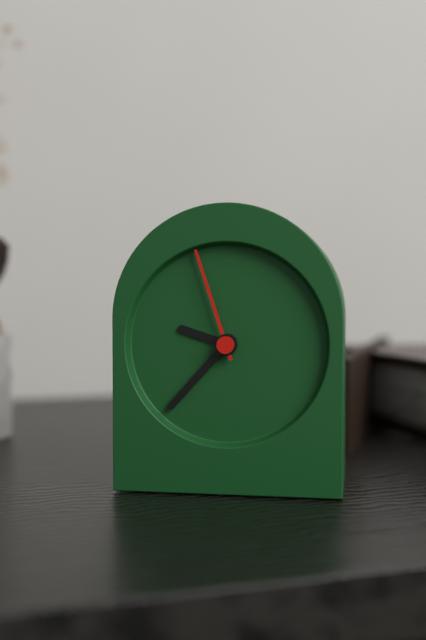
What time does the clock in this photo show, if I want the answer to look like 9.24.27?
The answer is 9.37.57
